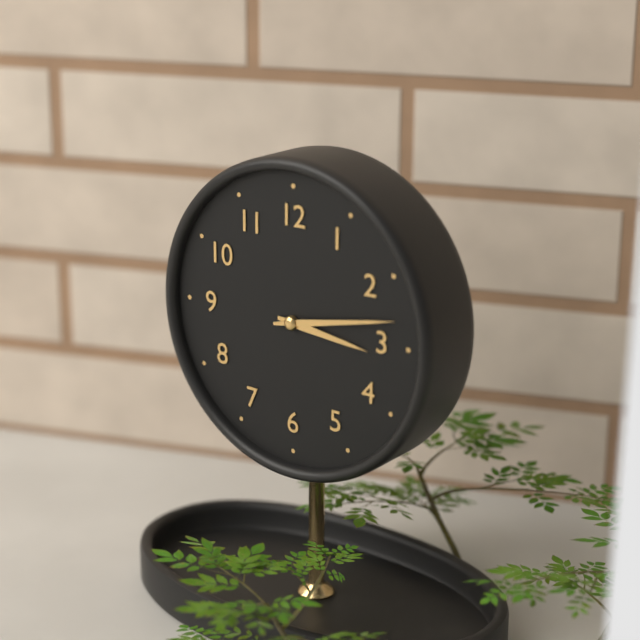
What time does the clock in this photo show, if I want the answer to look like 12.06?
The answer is 3.13
